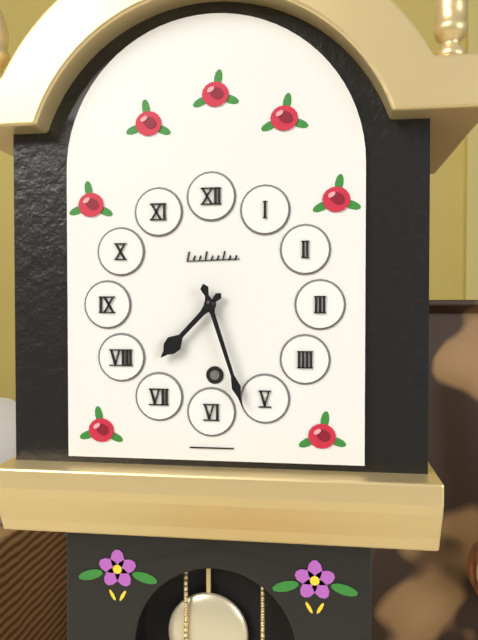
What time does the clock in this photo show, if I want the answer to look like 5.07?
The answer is 7.27
